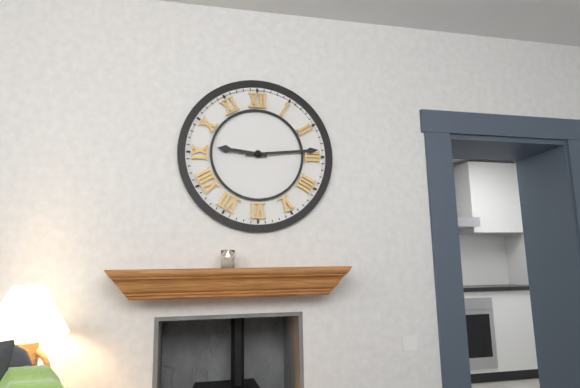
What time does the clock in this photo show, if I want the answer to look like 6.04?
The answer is 9.14
